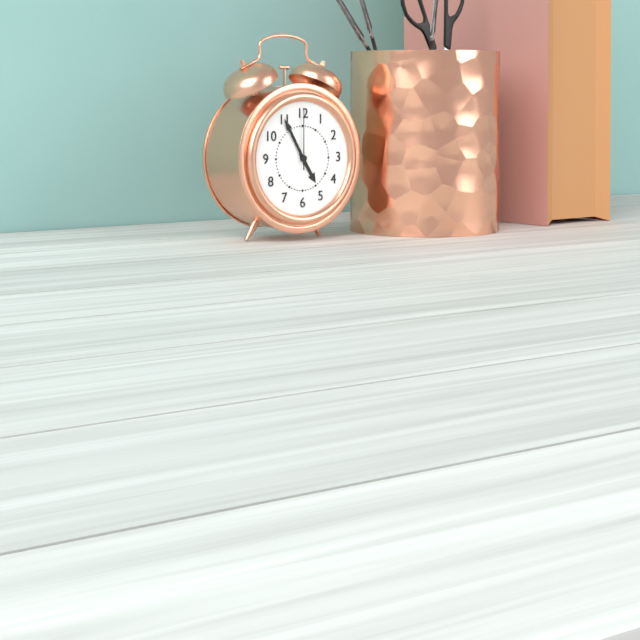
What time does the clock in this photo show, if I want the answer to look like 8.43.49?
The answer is 4.55.00
